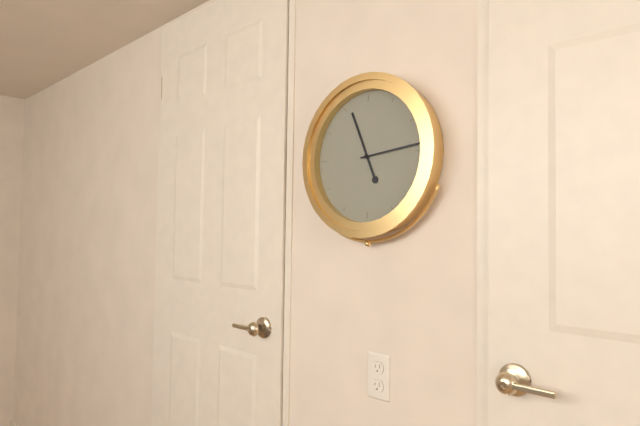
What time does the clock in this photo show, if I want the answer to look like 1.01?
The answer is 11.14
